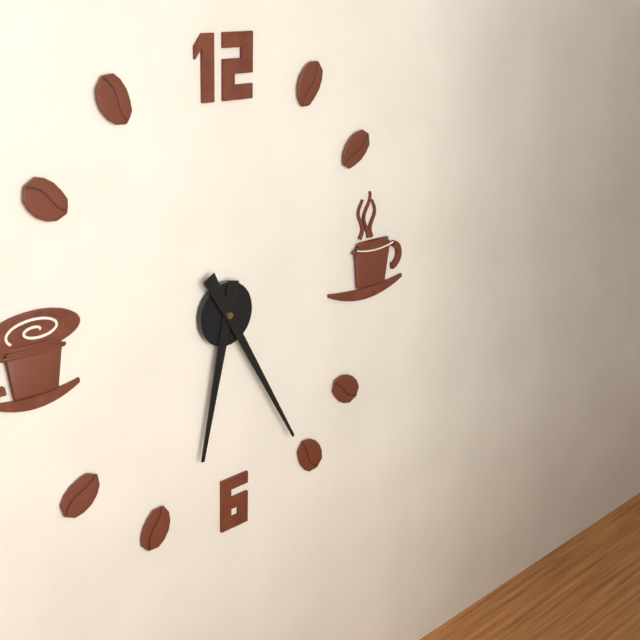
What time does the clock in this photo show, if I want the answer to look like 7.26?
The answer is 6.25
